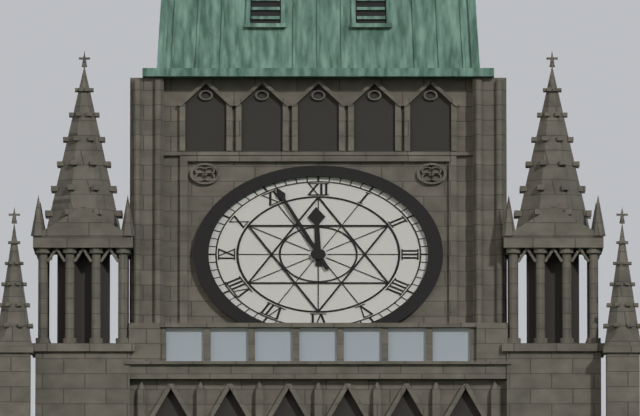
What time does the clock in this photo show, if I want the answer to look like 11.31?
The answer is 11.56
